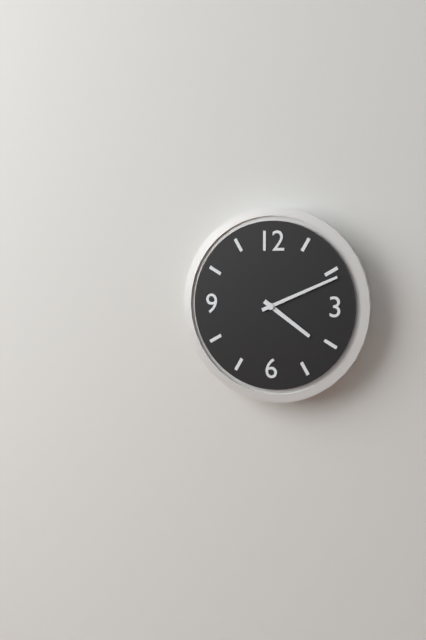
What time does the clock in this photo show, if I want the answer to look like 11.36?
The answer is 4.11
